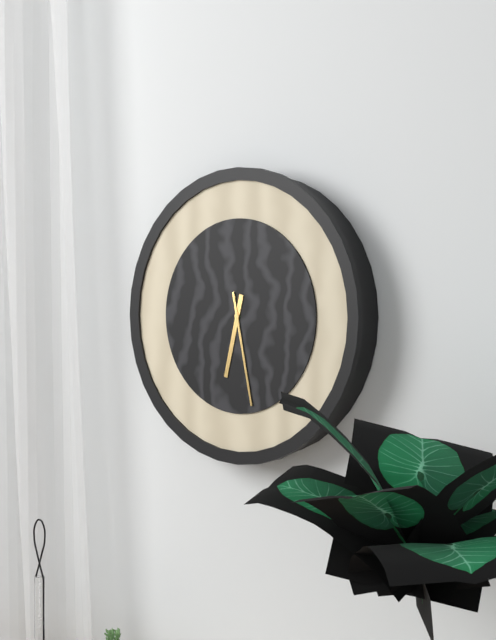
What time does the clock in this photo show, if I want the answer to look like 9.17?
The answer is 6.28
